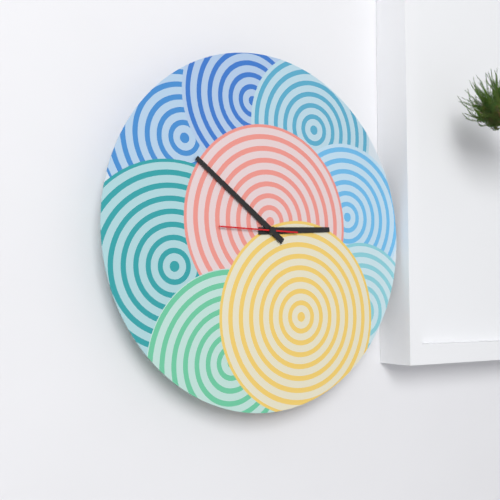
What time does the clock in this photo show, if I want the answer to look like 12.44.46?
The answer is 2.51.45
